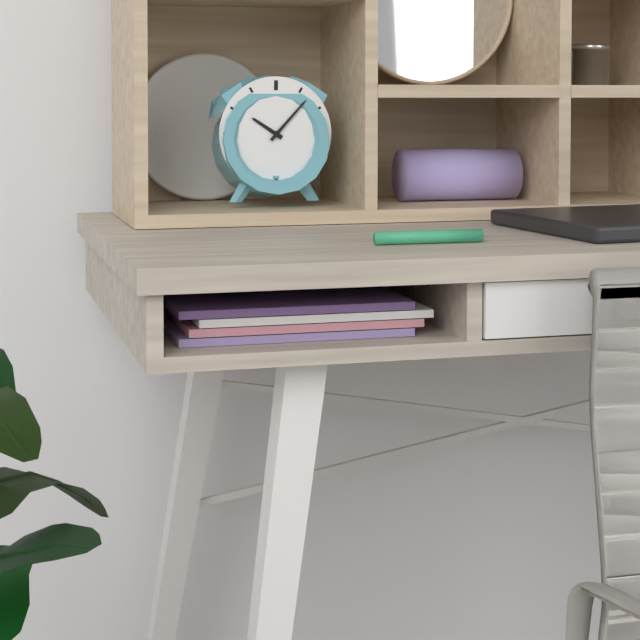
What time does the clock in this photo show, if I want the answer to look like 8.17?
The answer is 10.07
